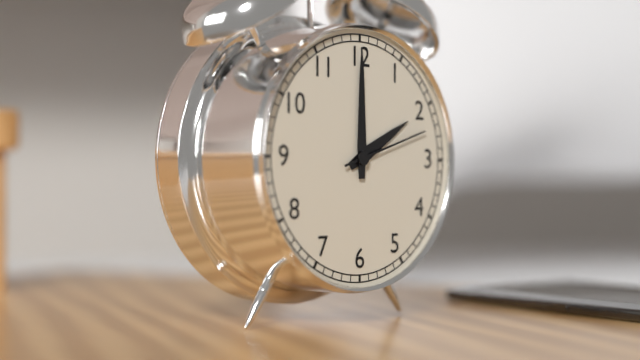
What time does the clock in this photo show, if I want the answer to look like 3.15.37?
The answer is 2.00.12
